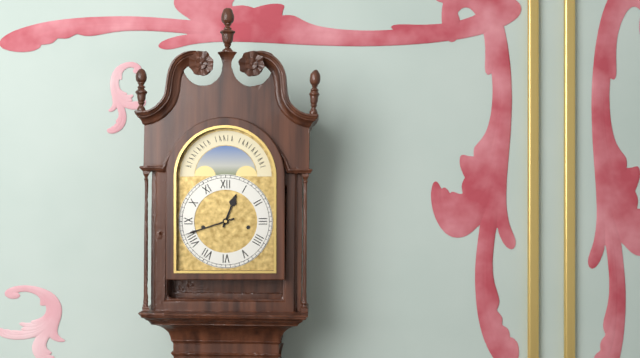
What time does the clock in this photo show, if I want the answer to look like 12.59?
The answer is 12.42
